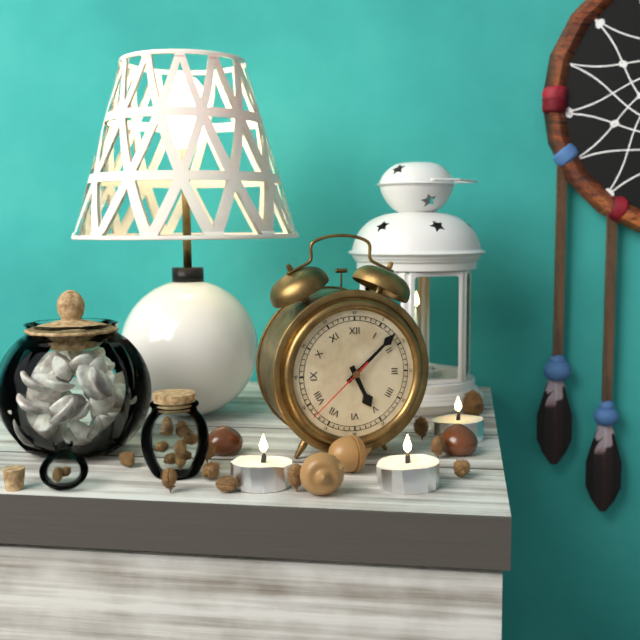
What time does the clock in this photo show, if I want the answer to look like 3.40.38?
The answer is 5.08.38
